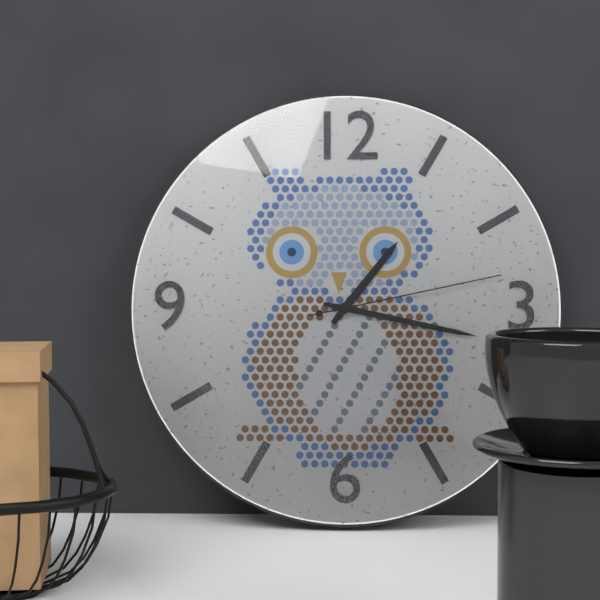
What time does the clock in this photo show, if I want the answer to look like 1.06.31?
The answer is 1.17.13
